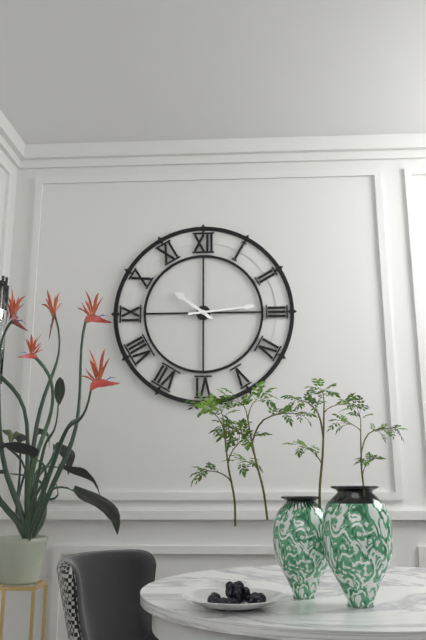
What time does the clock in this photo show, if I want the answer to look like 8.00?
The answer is 10.14
